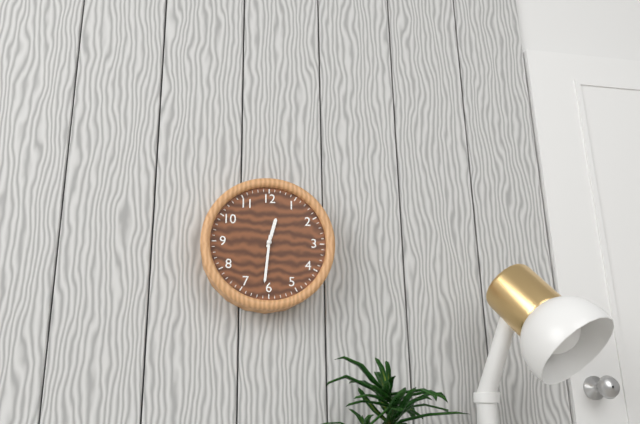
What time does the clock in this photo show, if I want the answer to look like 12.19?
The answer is 12.31
